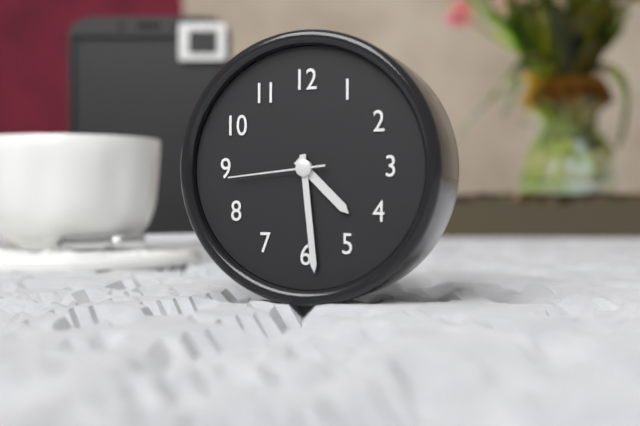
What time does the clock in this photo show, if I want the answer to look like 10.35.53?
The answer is 4.29.44
